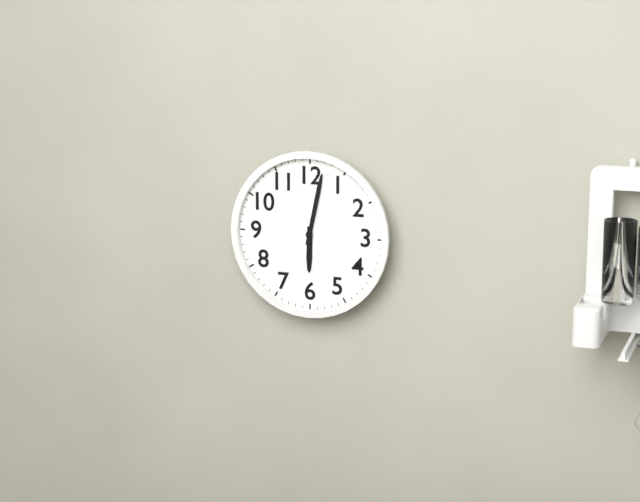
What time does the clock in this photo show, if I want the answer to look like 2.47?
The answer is 6.02
